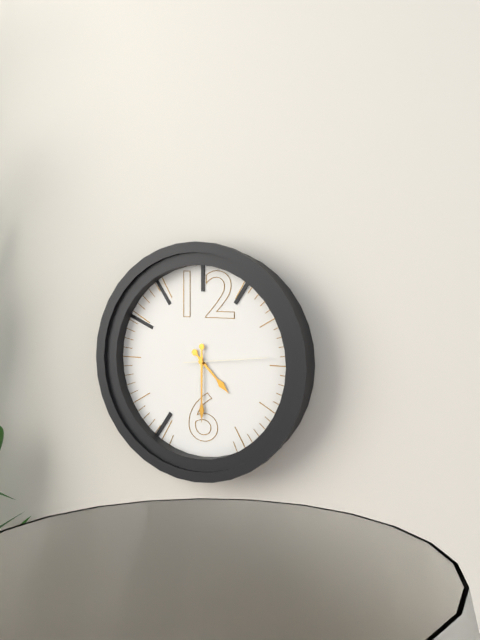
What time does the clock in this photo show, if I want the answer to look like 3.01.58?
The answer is 4.30.14
